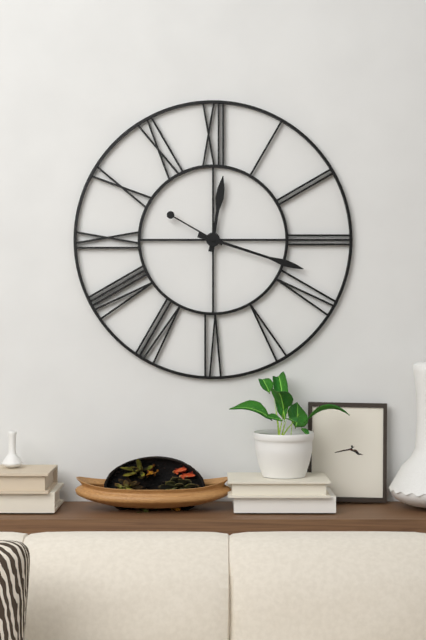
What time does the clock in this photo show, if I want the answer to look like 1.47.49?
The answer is 12.18.50
